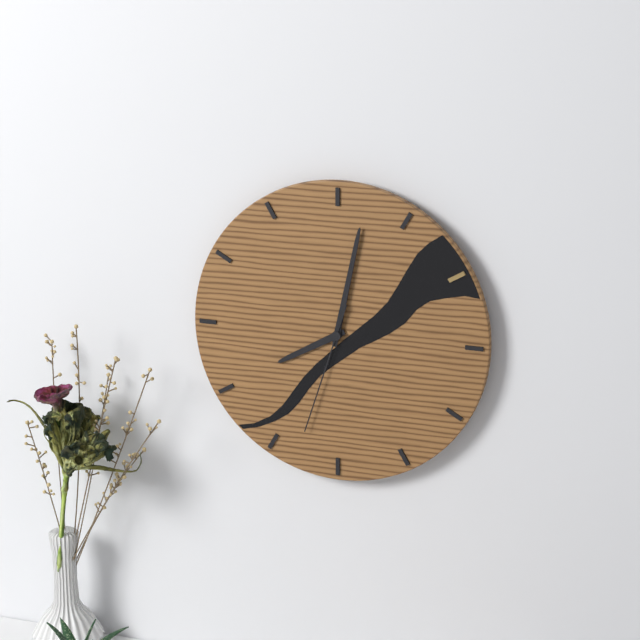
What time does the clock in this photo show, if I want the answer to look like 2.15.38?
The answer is 8.02.33
